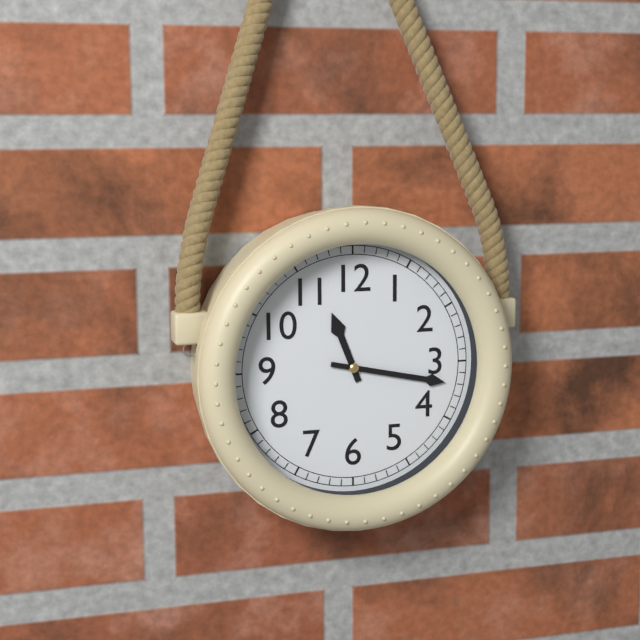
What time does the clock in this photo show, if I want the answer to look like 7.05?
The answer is 11.17
